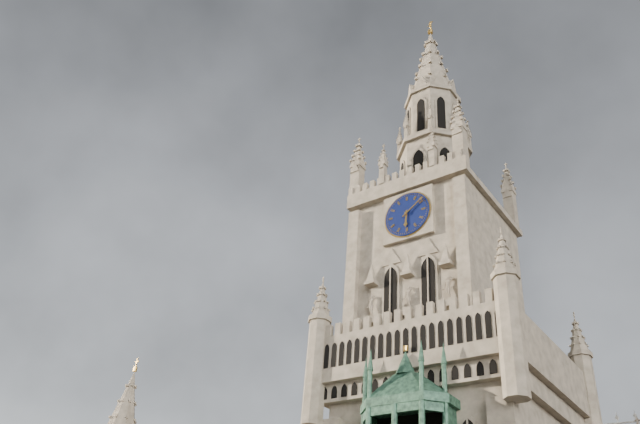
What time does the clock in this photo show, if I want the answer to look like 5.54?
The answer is 6.09
